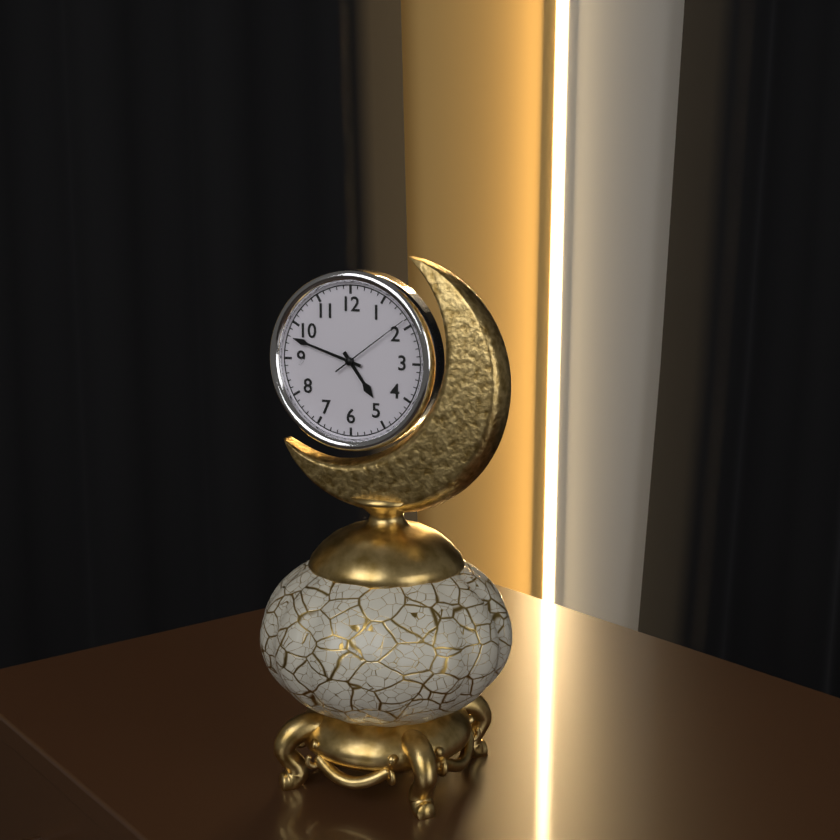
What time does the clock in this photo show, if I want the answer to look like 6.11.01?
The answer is 4.48.09
